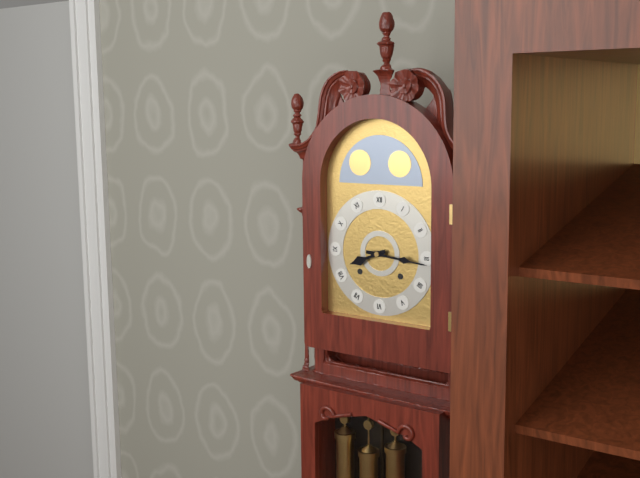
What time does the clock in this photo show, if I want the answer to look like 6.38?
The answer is 8.16
